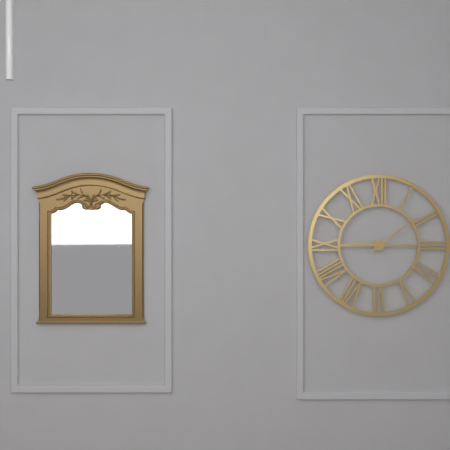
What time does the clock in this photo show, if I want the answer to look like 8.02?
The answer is 9.09
